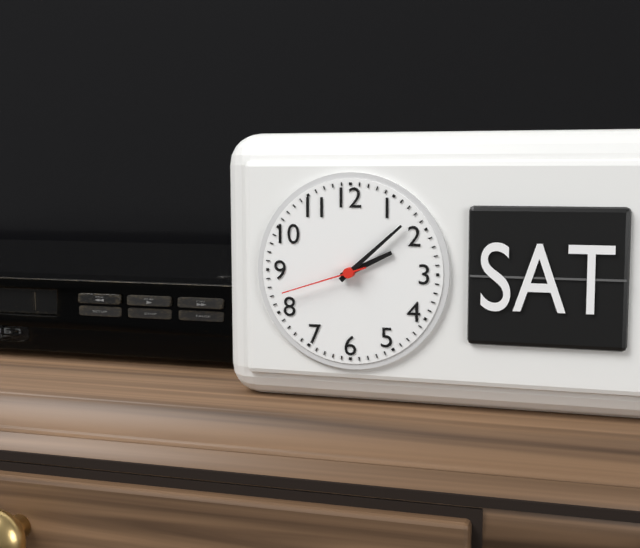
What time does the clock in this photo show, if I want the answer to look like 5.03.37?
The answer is 2.08.42
